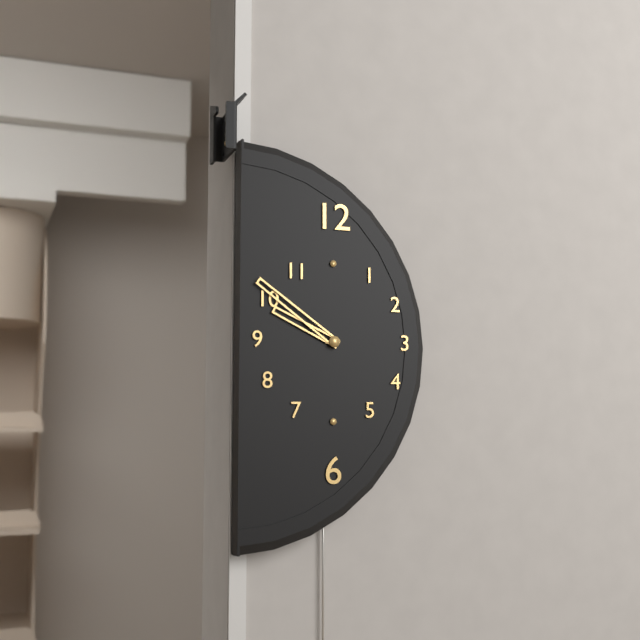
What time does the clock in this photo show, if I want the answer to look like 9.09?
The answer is 9.51
